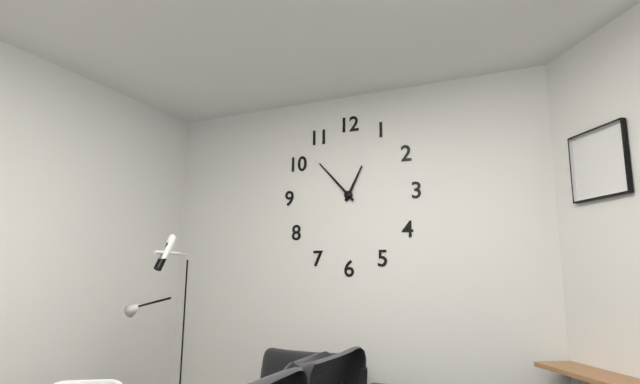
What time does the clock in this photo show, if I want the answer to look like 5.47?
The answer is 12.53
